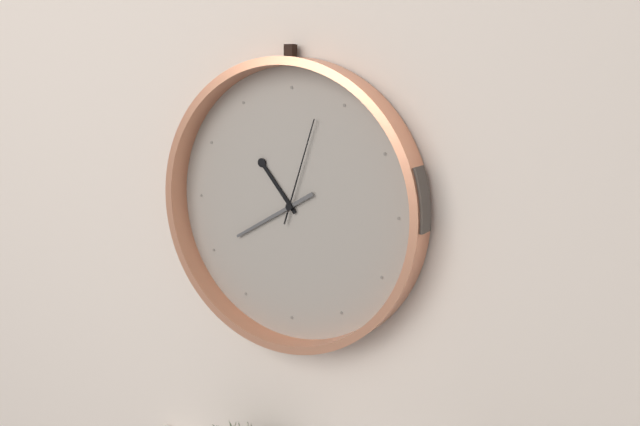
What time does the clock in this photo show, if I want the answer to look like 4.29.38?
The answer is 10.40.03
